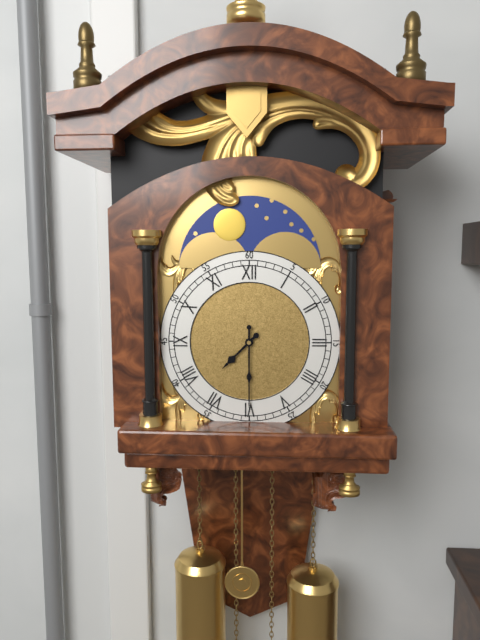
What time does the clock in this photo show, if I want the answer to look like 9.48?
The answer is 7.30
